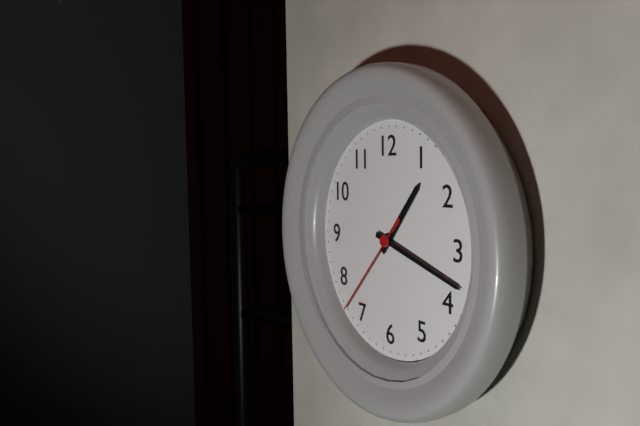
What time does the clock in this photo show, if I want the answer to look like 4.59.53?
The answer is 1.18.37
